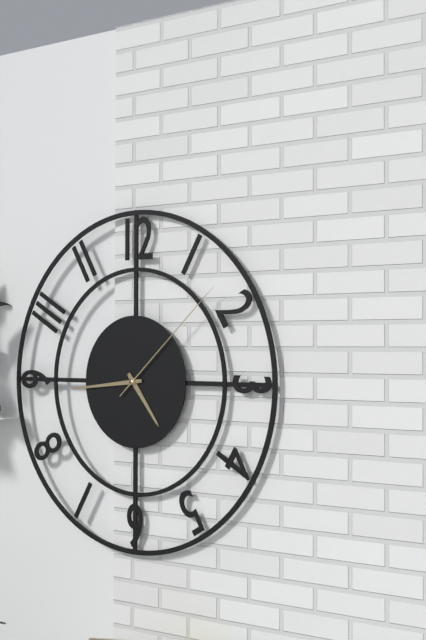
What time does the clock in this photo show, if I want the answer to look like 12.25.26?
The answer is 4.44.08
